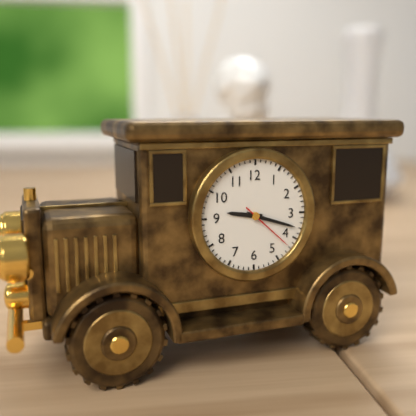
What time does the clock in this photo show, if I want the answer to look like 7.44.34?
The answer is 9.18.22
